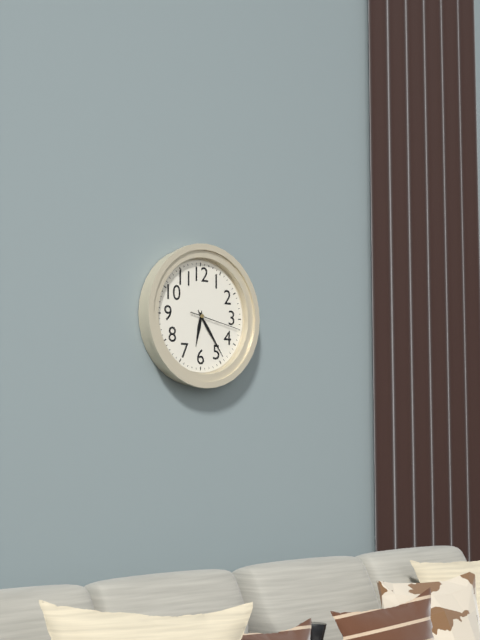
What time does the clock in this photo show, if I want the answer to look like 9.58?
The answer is 6.24
